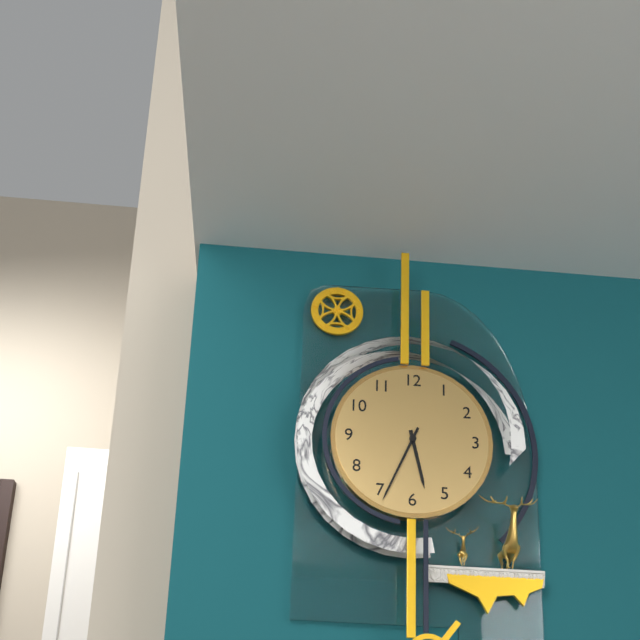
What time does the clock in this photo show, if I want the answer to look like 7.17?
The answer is 5.34
